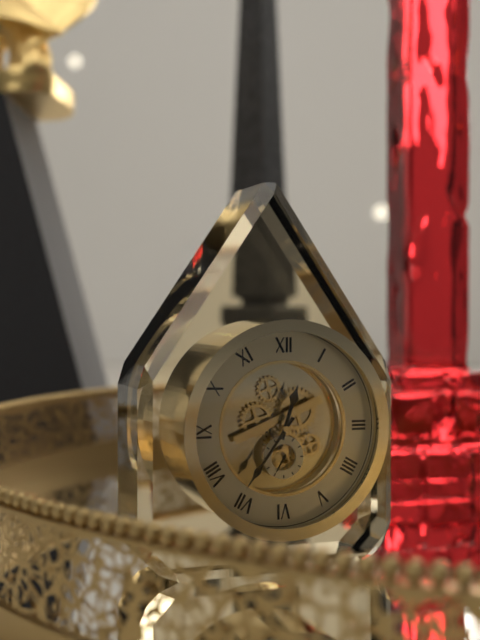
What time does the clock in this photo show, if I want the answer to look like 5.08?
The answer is 12.36
